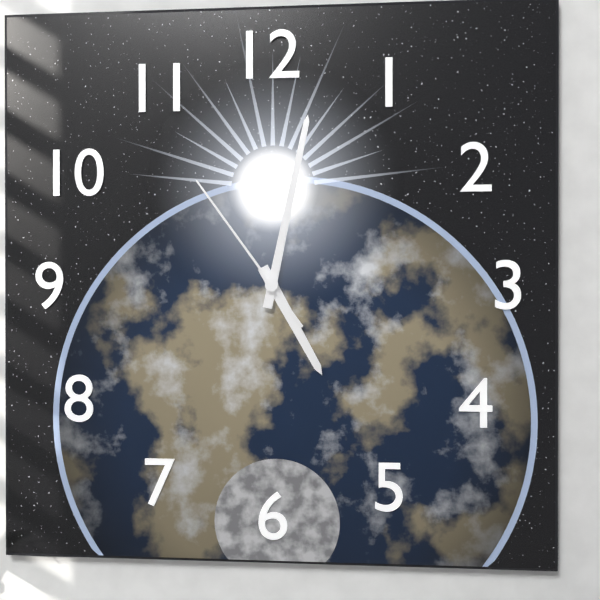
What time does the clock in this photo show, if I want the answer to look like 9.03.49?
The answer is 5.02.54
